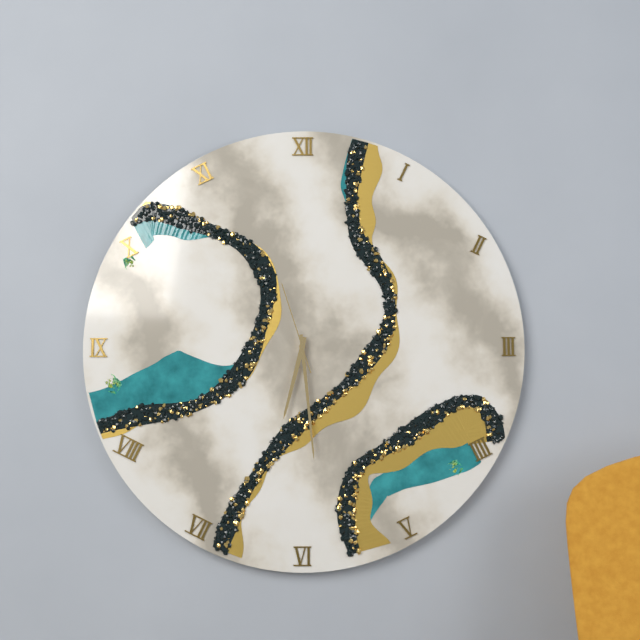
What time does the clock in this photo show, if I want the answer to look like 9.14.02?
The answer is 6.29.57
